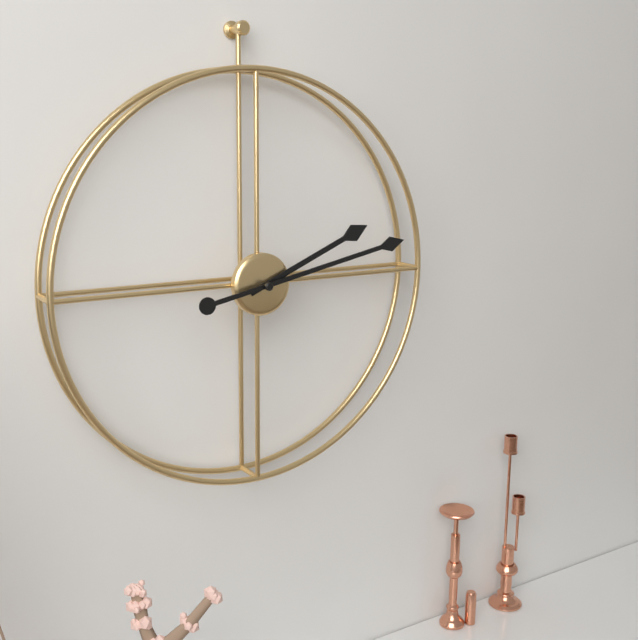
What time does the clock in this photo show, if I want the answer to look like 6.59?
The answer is 2.13
